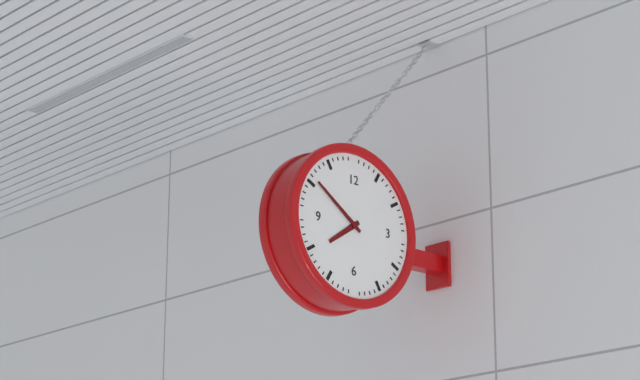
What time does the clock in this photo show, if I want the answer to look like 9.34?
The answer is 7.51
